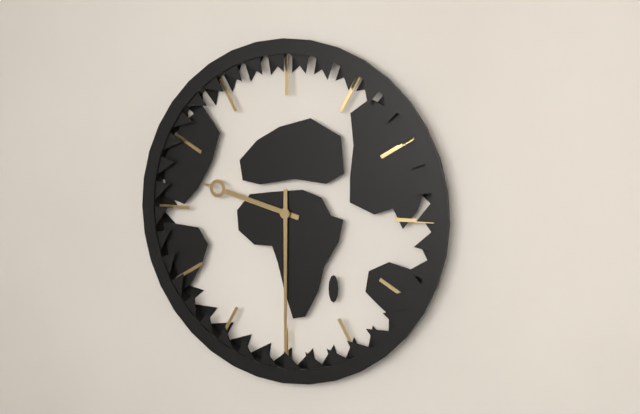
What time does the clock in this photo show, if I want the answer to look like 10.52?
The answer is 9.30
